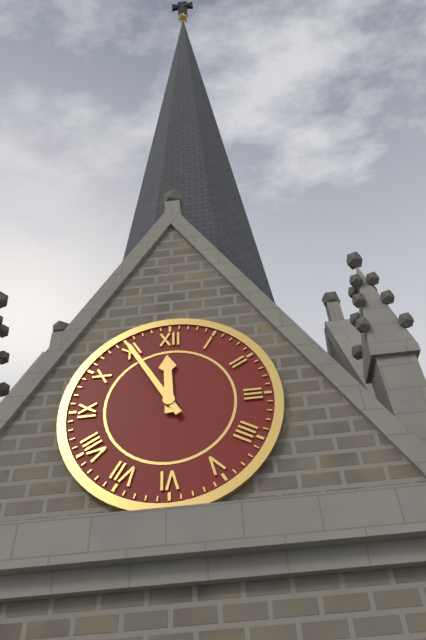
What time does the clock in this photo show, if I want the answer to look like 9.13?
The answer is 11.55
